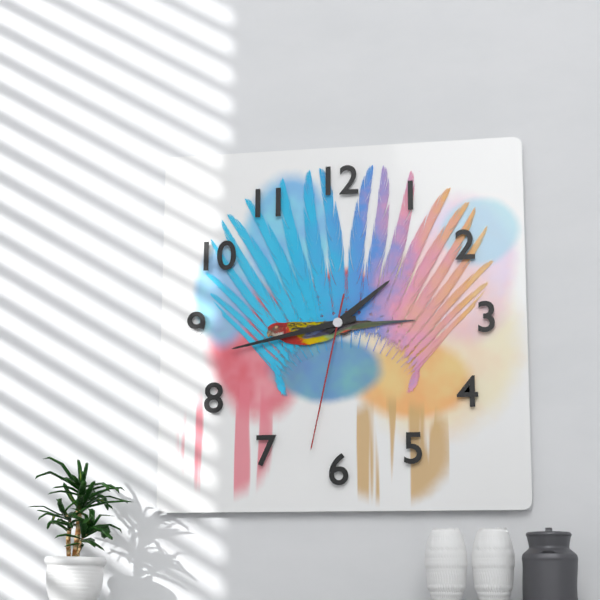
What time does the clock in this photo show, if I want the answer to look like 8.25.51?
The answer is 1.43.32
